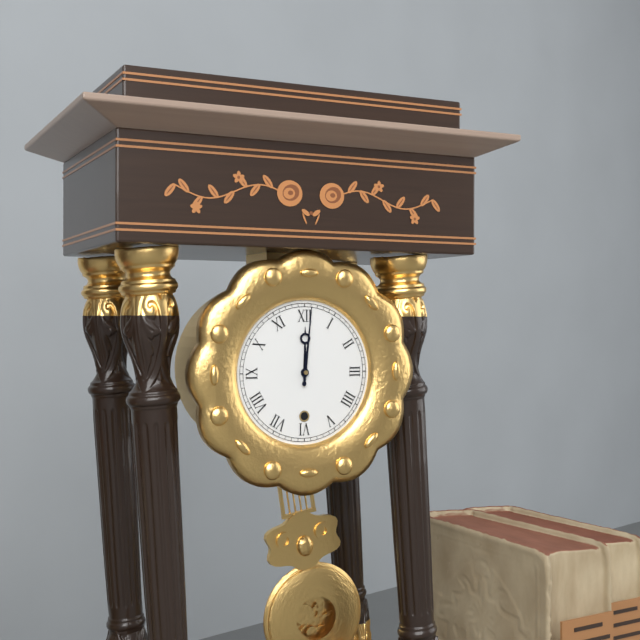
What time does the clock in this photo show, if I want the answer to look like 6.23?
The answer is 12.01
